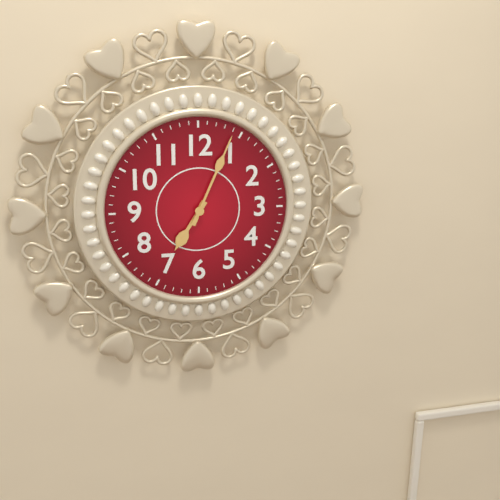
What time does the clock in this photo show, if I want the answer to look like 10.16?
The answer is 7.04
